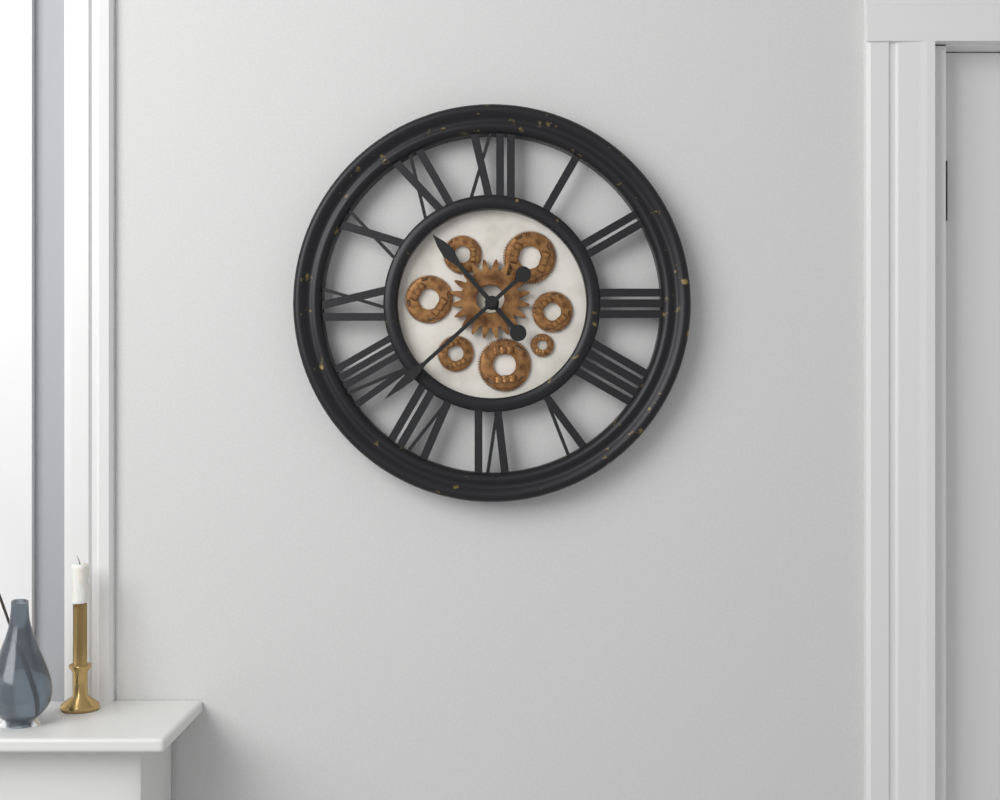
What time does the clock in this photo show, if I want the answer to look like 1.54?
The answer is 10.38
